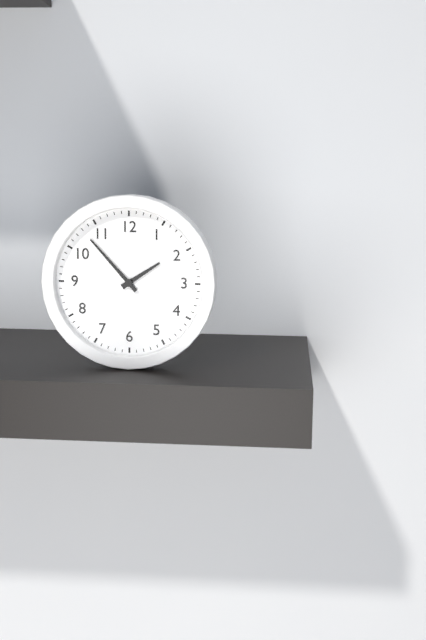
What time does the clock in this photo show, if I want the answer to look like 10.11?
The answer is 1.53
